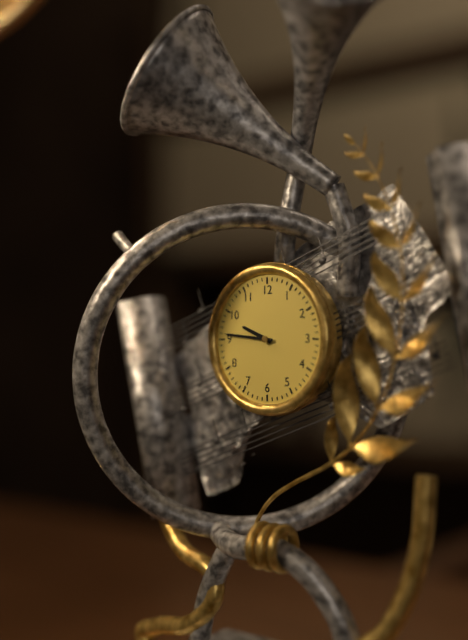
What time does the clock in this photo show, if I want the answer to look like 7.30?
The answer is 9.46
